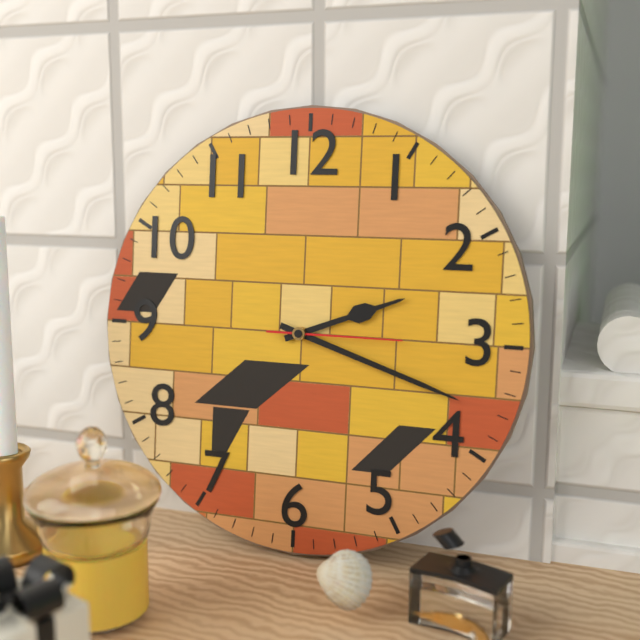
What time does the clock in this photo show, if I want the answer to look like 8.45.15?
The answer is 2.18.15
